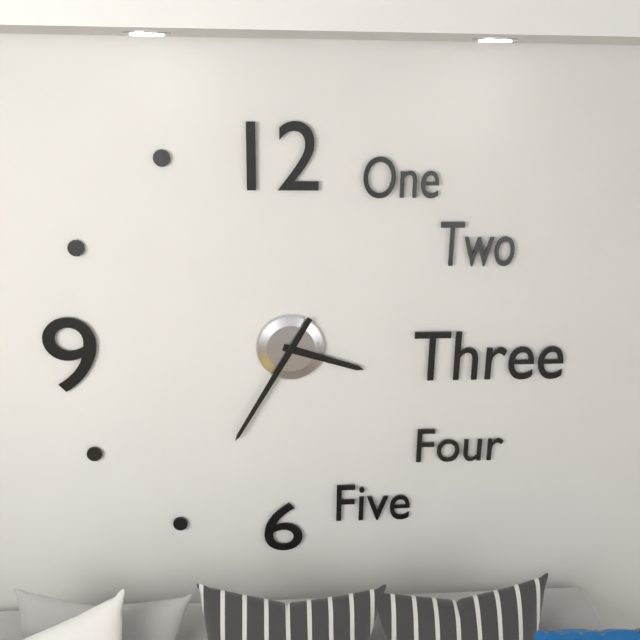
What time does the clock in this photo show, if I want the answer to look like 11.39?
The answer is 3.35
